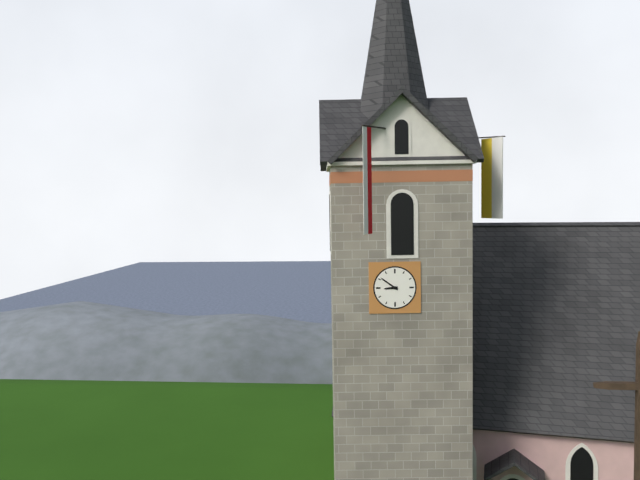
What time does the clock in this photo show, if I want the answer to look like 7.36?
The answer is 8.51
